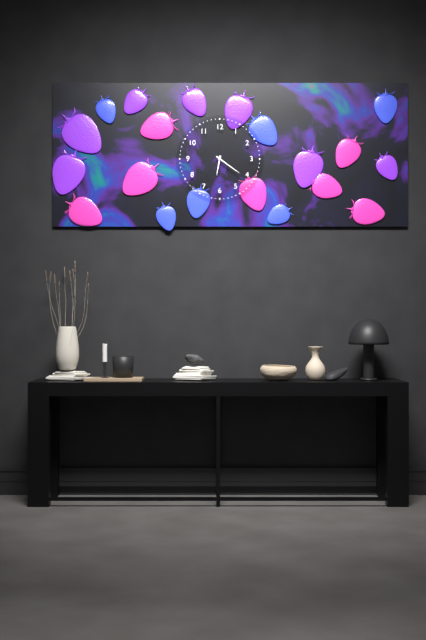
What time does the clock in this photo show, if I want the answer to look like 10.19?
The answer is 6.21
